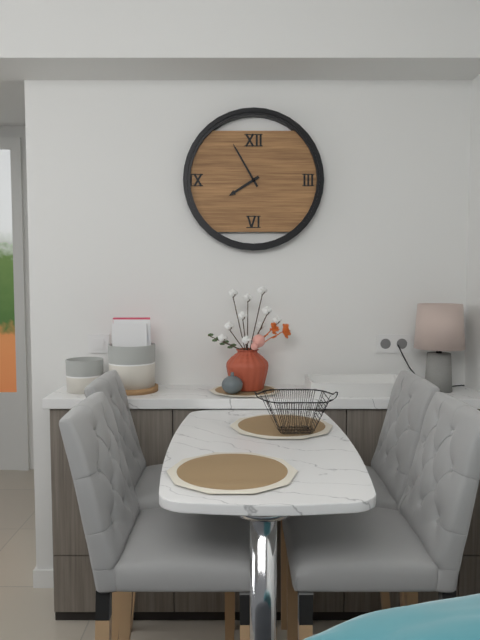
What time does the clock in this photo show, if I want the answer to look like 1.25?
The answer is 7.55
